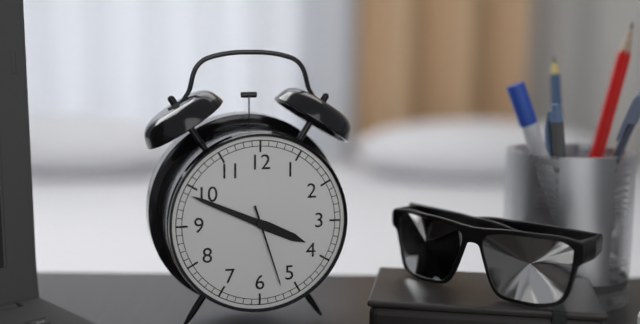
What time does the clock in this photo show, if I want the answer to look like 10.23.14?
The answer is 3.49.27
